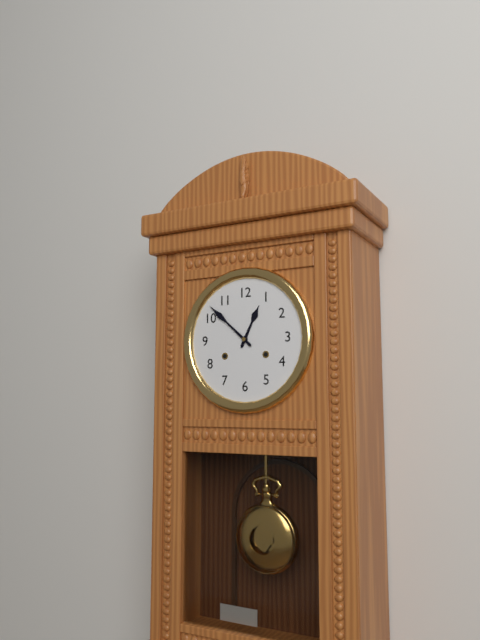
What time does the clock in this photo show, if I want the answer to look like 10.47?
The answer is 12.52
